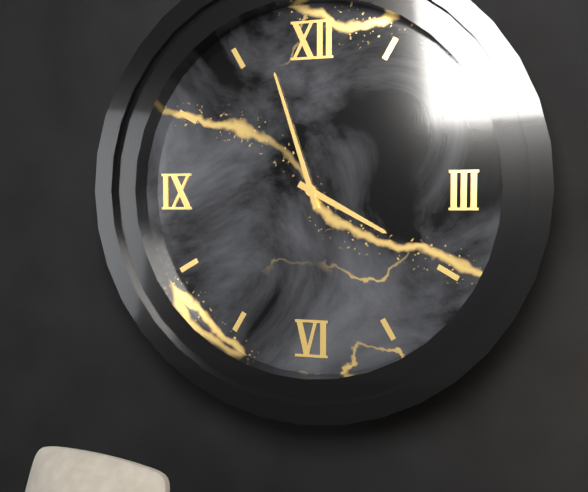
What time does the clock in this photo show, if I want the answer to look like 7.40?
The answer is 3.57
